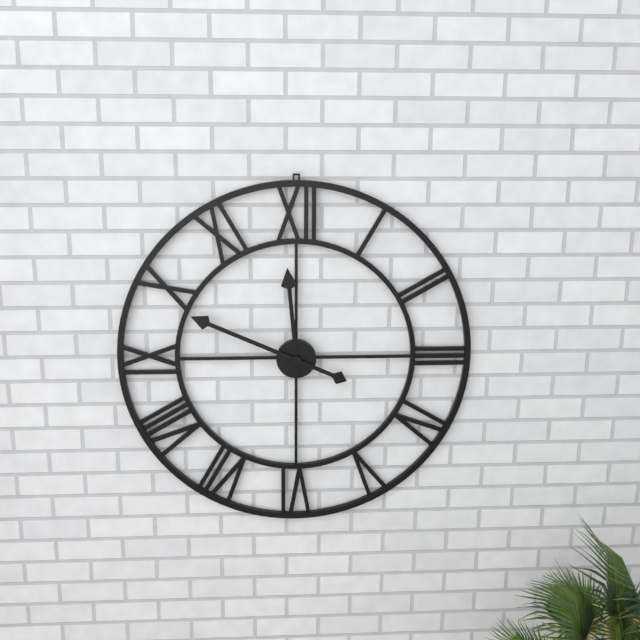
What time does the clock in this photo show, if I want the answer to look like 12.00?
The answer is 11.49
